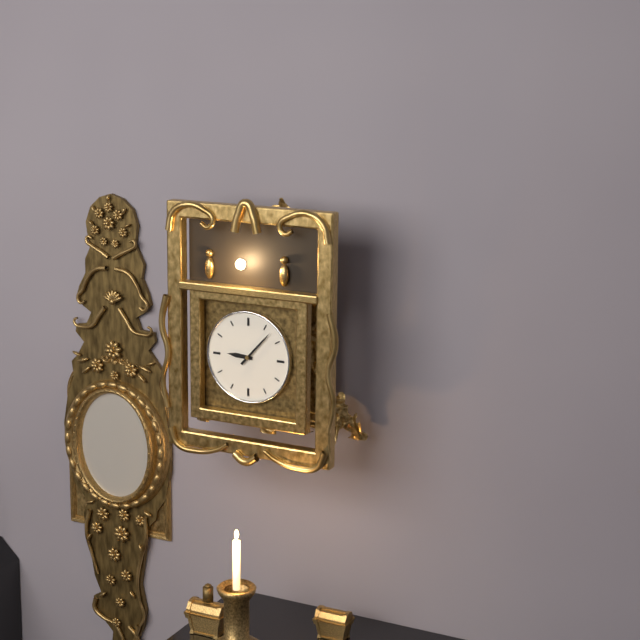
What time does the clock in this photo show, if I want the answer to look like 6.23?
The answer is 9.07
